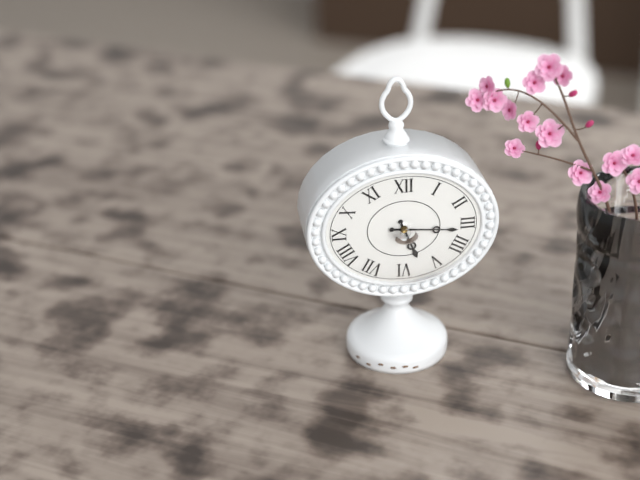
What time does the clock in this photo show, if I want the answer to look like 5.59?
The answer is 5.16
